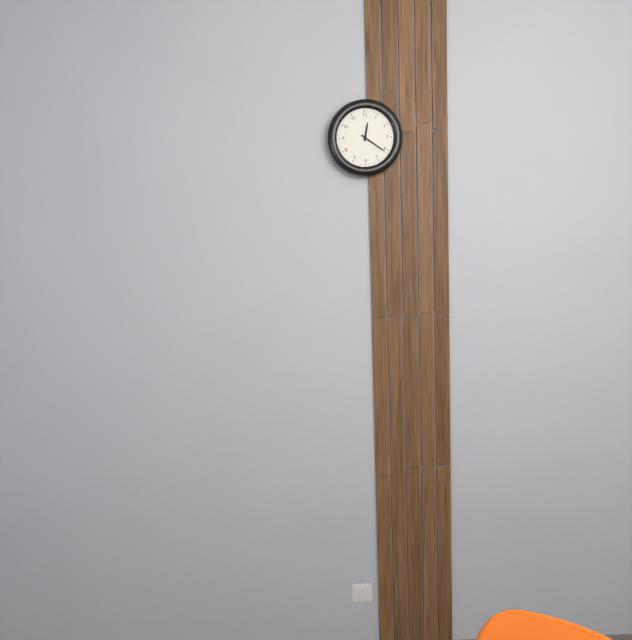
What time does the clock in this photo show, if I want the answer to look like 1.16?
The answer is 12.21
